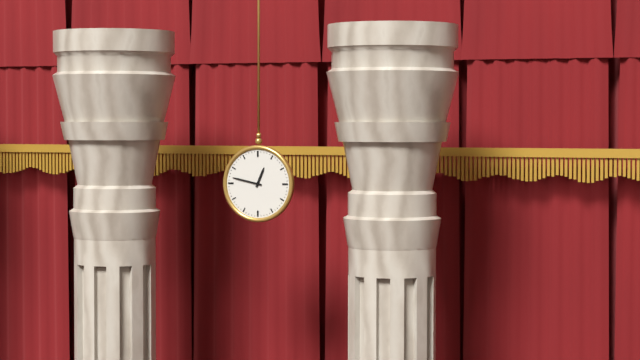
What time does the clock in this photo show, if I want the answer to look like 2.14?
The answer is 12.47
